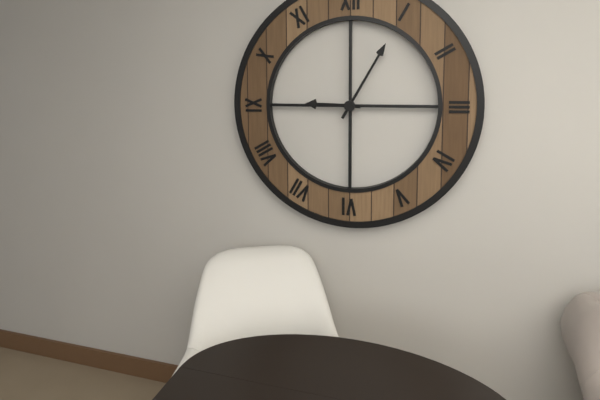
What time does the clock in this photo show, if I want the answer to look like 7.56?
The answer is 9.05
